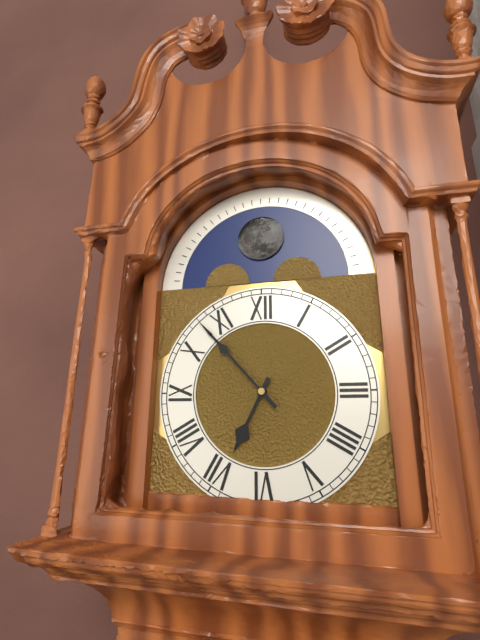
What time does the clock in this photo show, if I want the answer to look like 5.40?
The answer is 6.53
